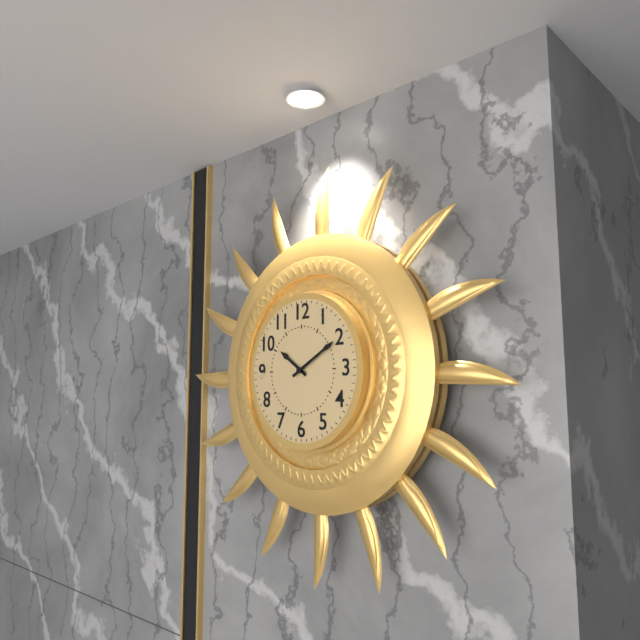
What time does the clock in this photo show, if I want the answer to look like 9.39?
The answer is 10.10
